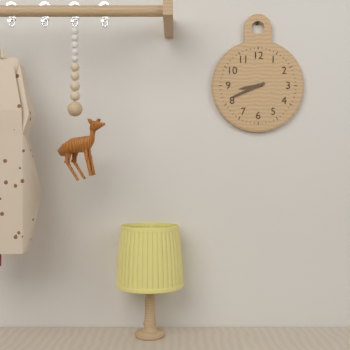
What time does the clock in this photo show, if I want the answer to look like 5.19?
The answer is 8.41
